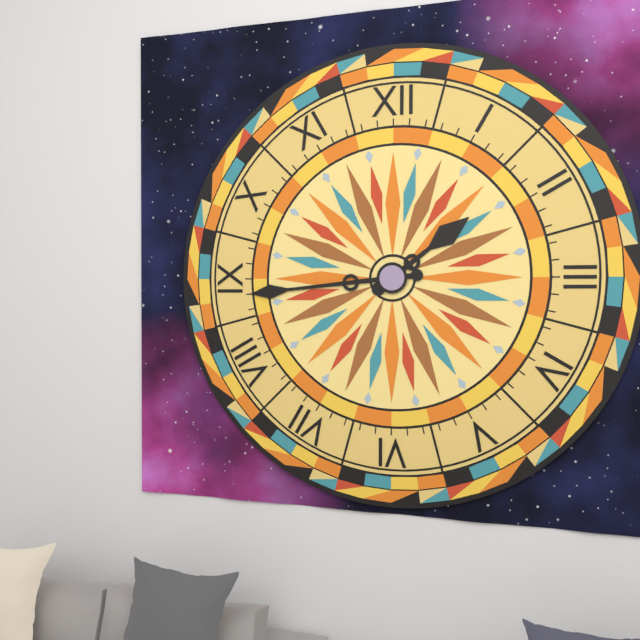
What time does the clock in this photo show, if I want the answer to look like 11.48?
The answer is 1.44
